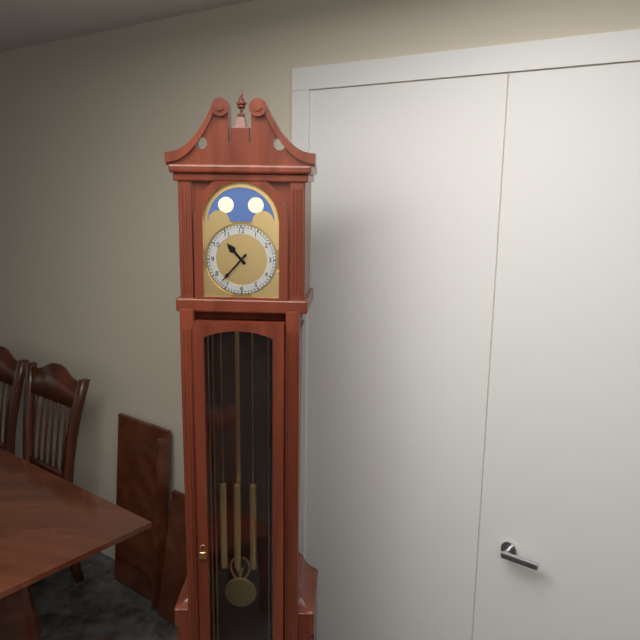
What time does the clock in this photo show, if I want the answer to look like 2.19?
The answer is 10.37
